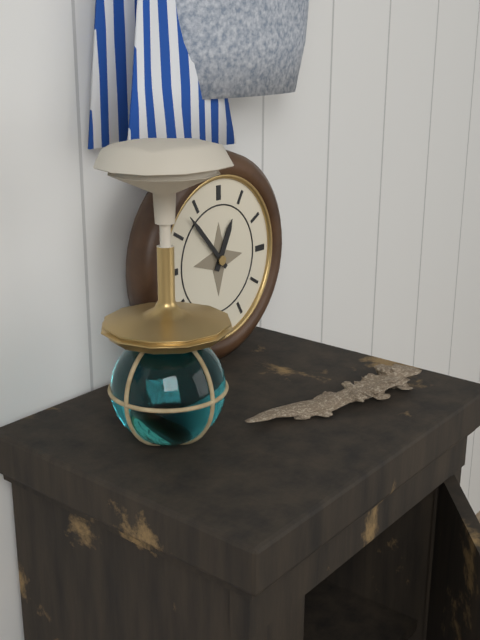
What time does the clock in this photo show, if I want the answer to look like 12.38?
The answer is 12.53
